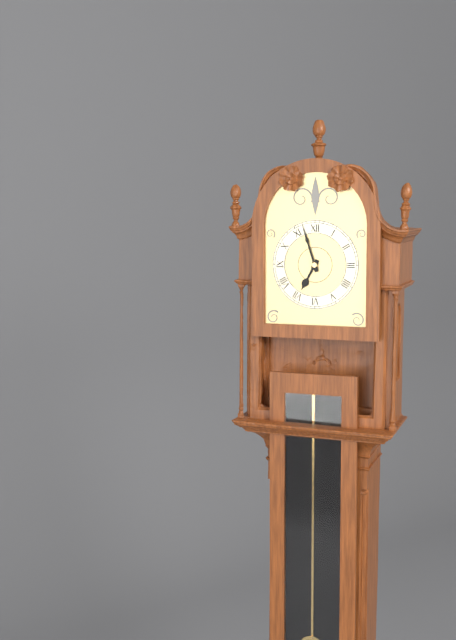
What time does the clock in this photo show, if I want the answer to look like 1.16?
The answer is 6.57
